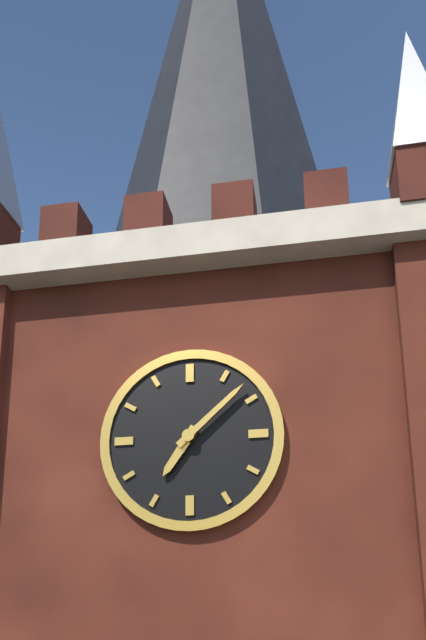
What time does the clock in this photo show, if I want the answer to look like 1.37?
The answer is 7.08
